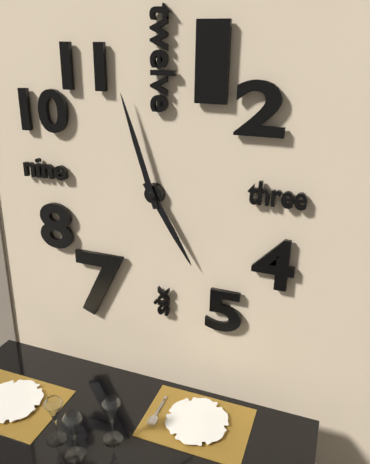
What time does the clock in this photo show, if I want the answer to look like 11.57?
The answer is 4.57
